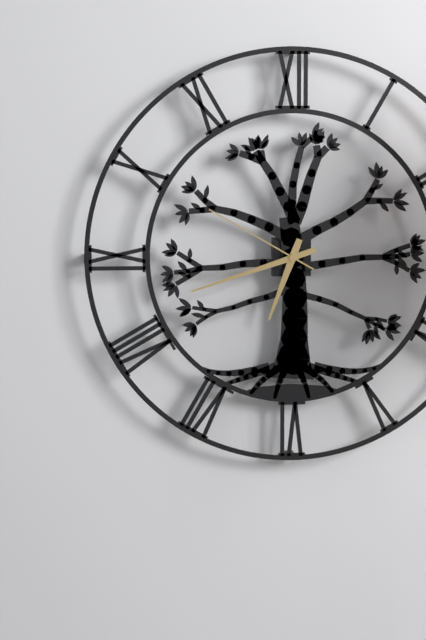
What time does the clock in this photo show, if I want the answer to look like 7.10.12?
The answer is 6.42.50
